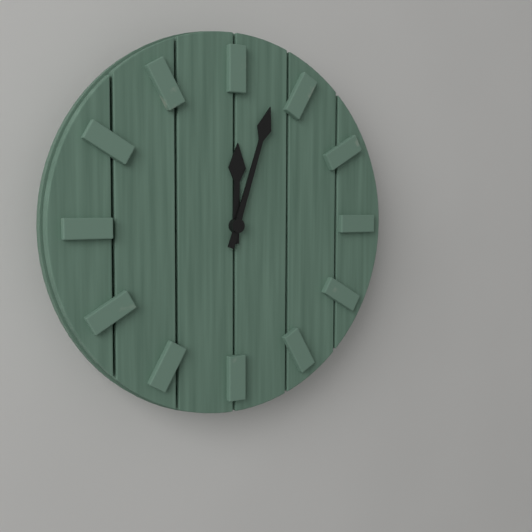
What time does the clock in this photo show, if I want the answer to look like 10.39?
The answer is 12.03
